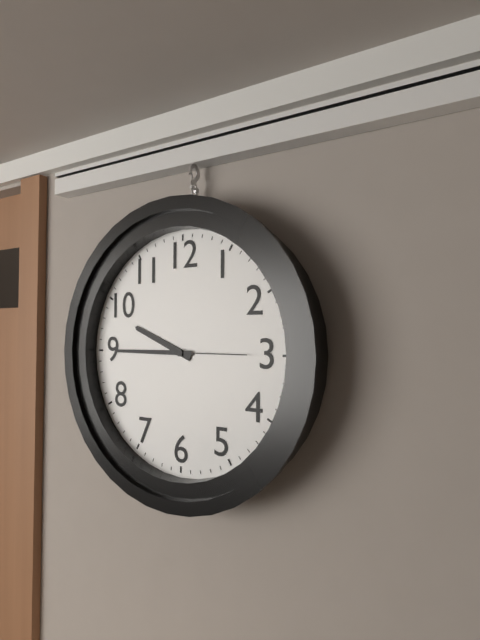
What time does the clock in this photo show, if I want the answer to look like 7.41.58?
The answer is 9.45.15
